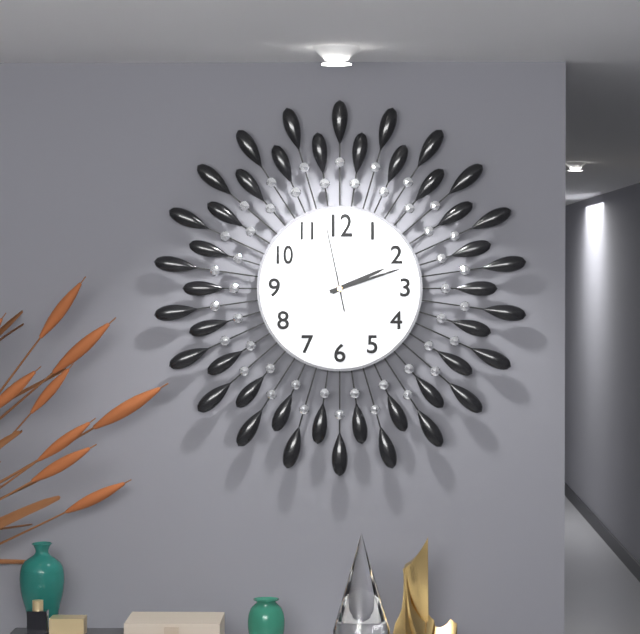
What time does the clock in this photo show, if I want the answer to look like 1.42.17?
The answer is 2.12.58
